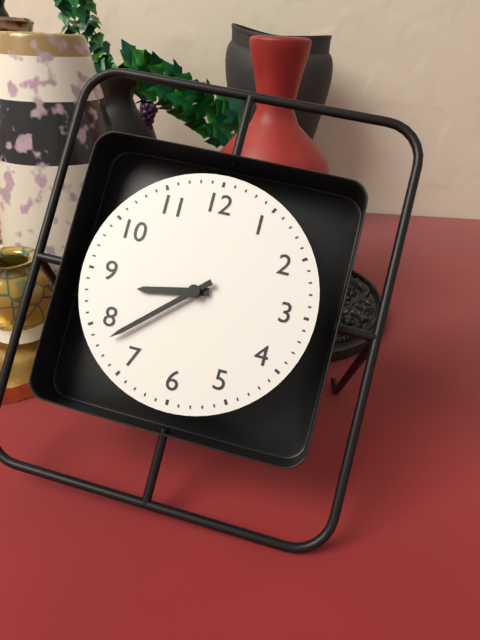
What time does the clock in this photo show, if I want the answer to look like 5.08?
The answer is 8.38
